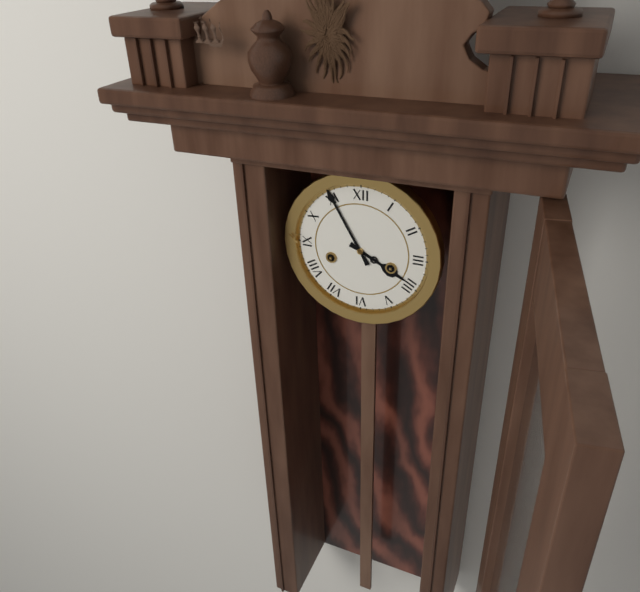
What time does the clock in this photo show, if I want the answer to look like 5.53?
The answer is 3.55
